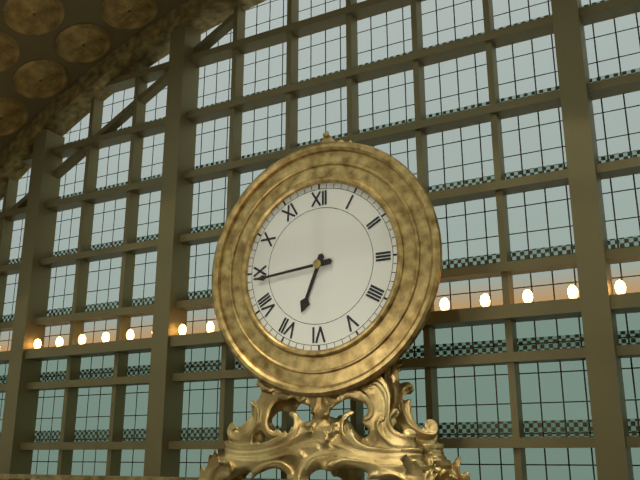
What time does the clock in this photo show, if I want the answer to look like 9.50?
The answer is 6.44
